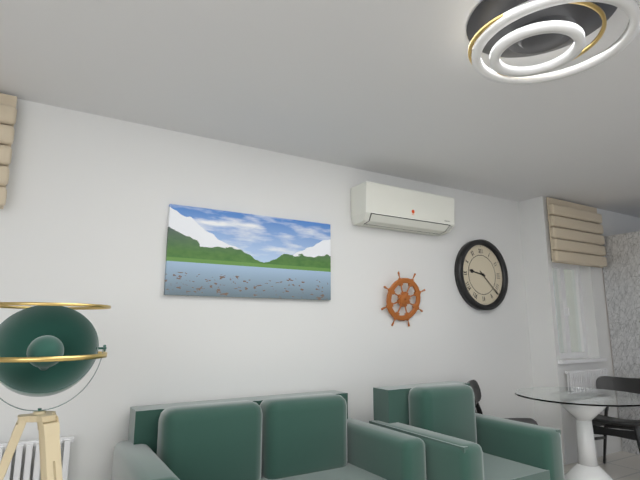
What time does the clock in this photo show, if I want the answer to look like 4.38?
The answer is 9.22
